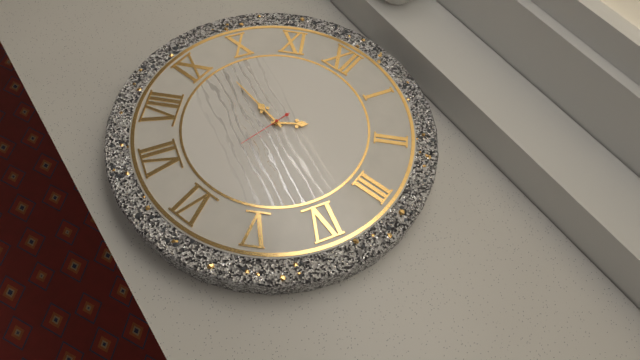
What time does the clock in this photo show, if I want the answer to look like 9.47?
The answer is 1.47
